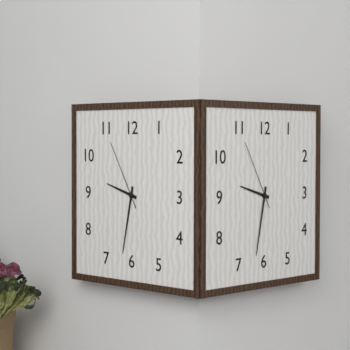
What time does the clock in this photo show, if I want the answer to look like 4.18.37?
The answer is 9.32.55
